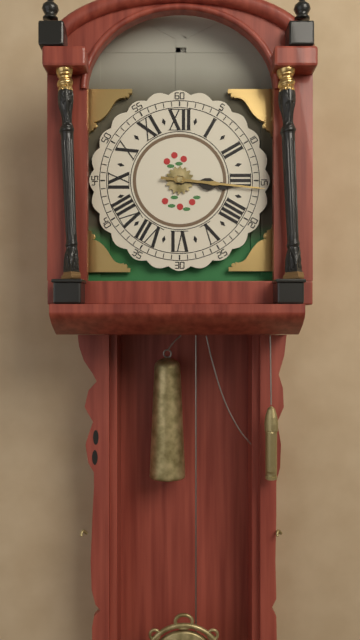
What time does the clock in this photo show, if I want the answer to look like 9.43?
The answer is 3.16
